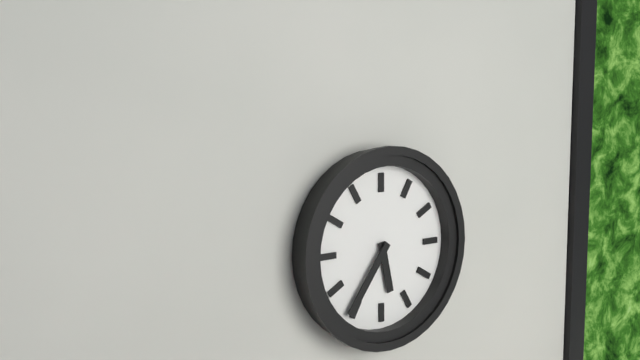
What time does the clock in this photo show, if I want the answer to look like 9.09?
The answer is 5.36
